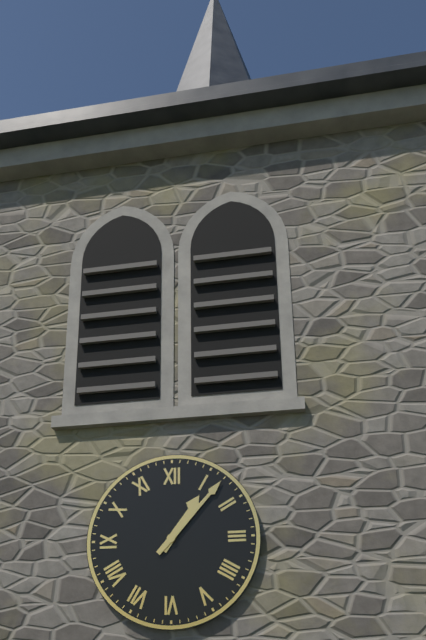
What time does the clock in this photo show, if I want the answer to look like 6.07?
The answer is 1.07
